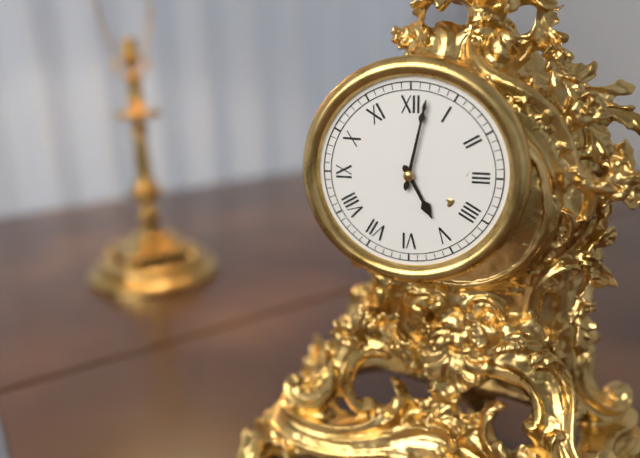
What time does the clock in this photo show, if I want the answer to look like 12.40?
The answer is 5.02
